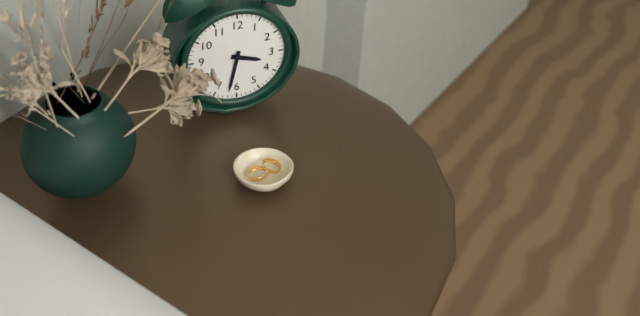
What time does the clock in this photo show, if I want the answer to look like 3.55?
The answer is 3.32
